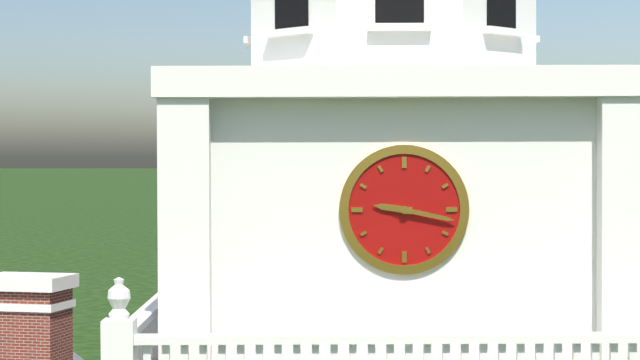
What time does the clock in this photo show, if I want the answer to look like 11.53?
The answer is 9.17
